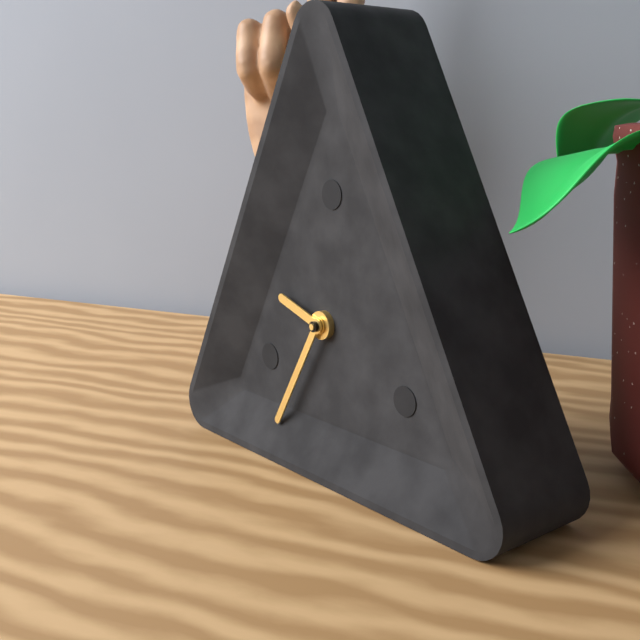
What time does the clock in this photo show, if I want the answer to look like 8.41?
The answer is 9.35
